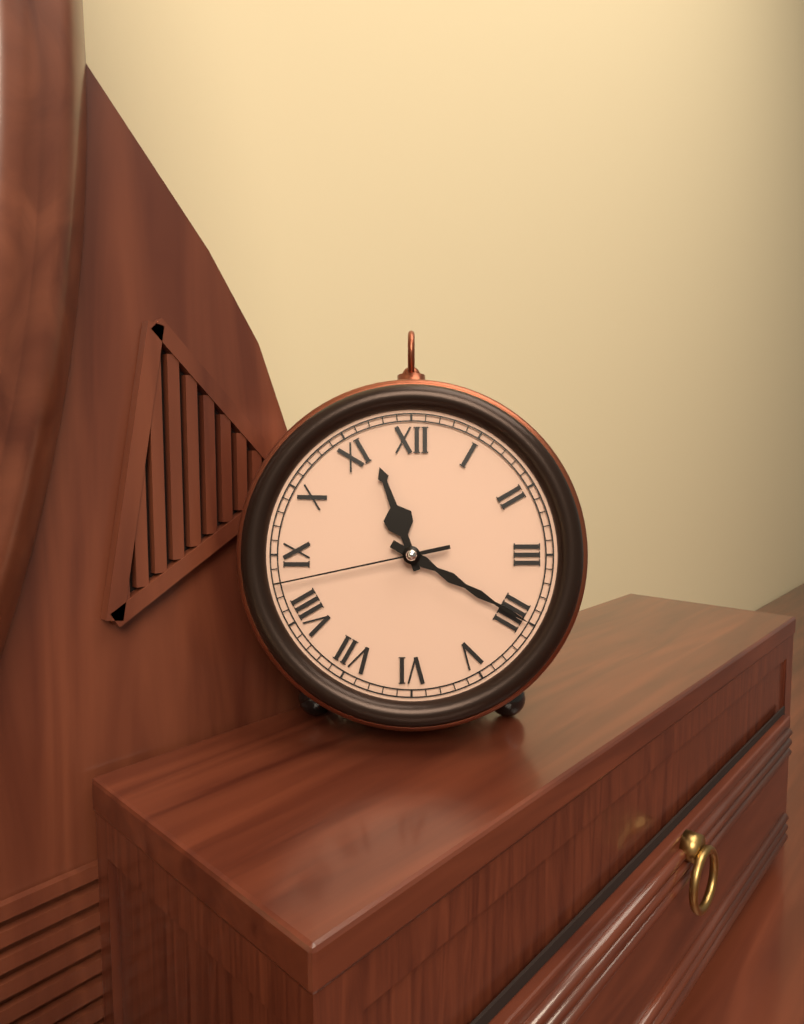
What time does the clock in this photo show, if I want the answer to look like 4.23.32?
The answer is 11.20.43
